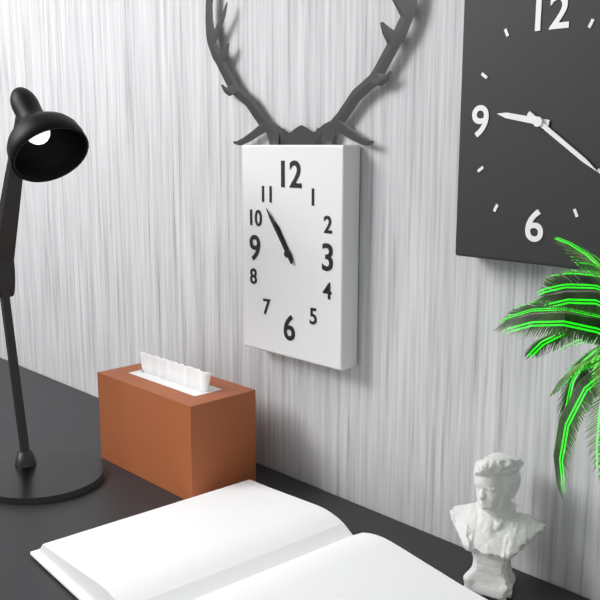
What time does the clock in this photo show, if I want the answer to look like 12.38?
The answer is 10.54
